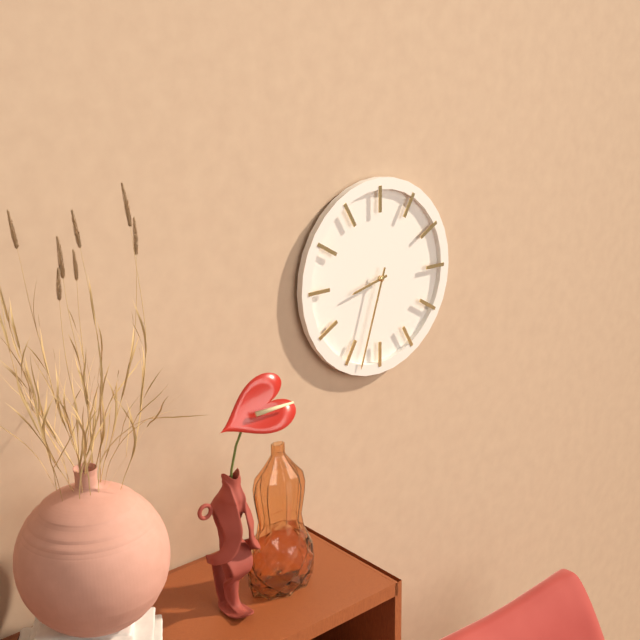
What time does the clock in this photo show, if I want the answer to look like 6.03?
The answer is 8.33
